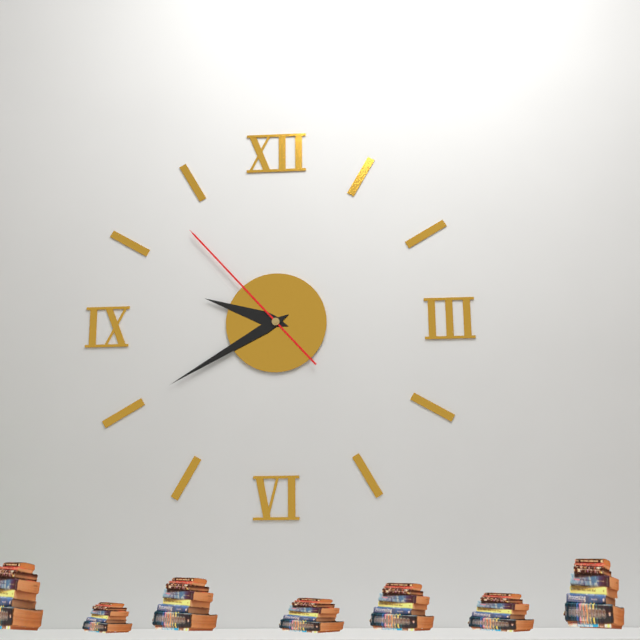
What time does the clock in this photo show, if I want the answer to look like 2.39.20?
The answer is 9.40.53
